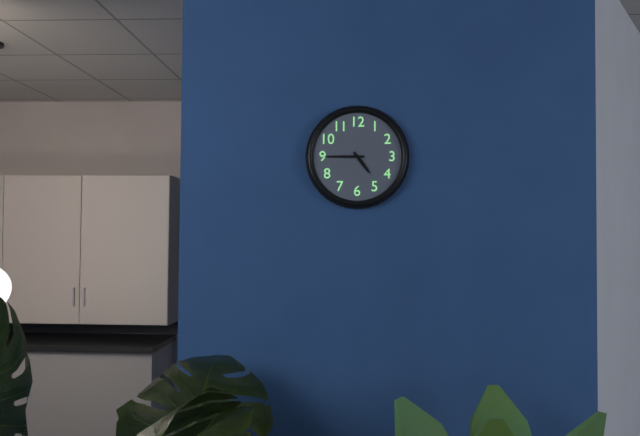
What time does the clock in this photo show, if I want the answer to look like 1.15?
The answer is 4.45
